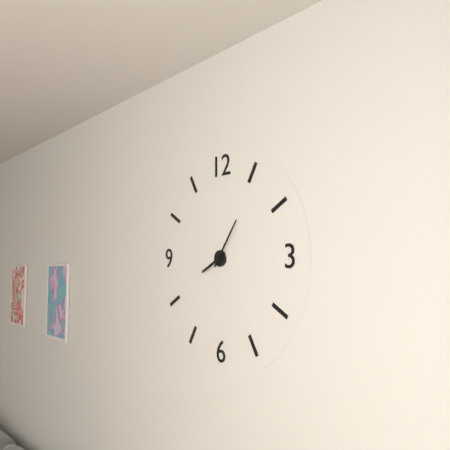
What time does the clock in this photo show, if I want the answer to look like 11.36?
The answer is 8.06
